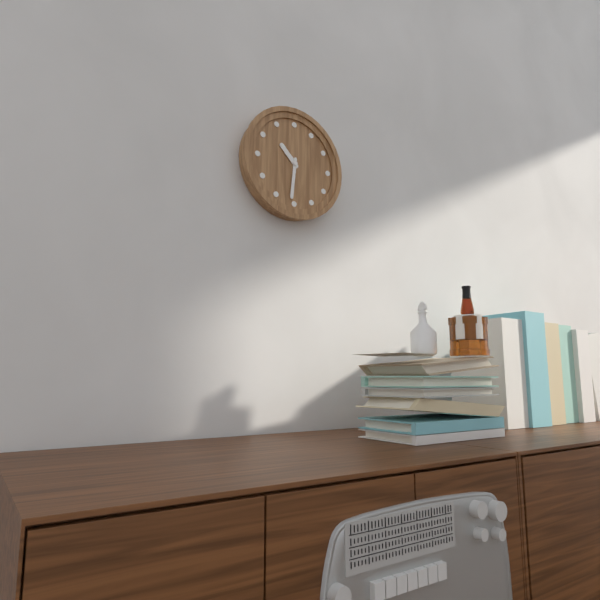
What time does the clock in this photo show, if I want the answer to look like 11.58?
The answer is 10.31
